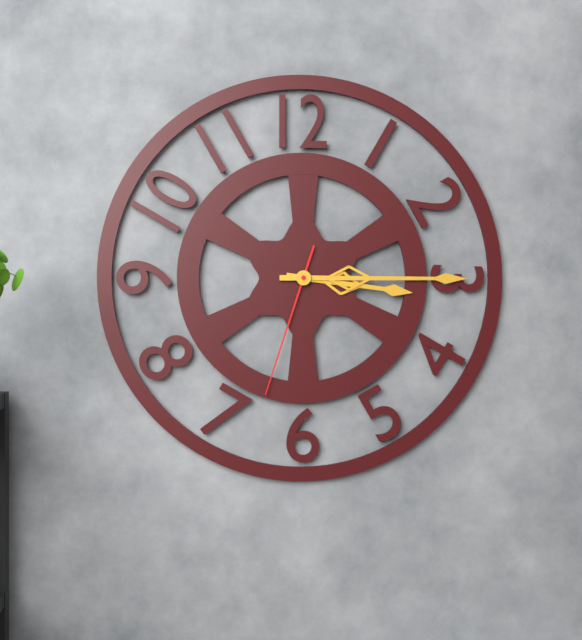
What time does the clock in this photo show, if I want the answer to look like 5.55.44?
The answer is 3.15.33
